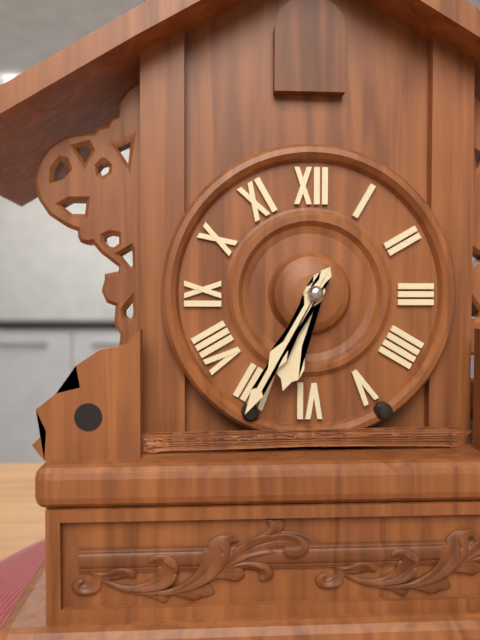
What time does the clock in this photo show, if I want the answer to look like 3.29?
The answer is 6.35
